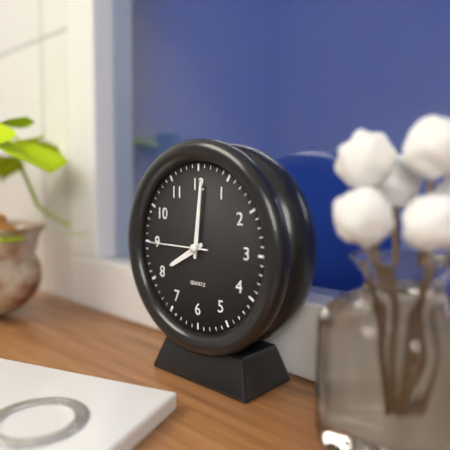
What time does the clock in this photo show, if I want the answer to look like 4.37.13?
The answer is 8.01.45
